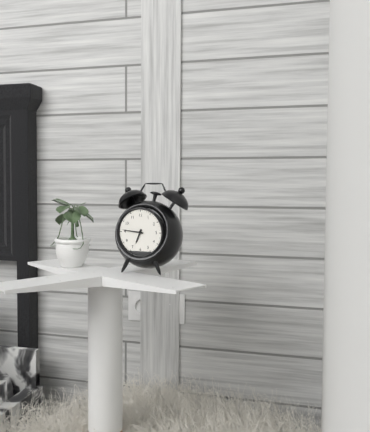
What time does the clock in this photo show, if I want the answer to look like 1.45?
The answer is 6.46
